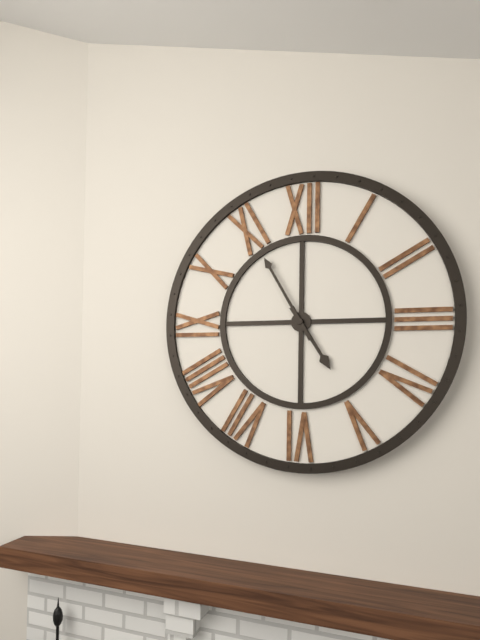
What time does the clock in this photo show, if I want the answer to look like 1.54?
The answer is 4.55
